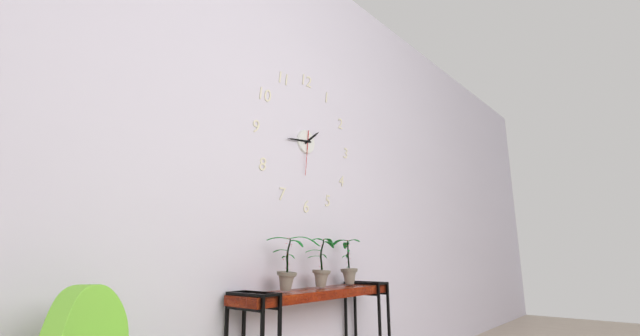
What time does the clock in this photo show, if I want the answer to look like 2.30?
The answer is 1.44
